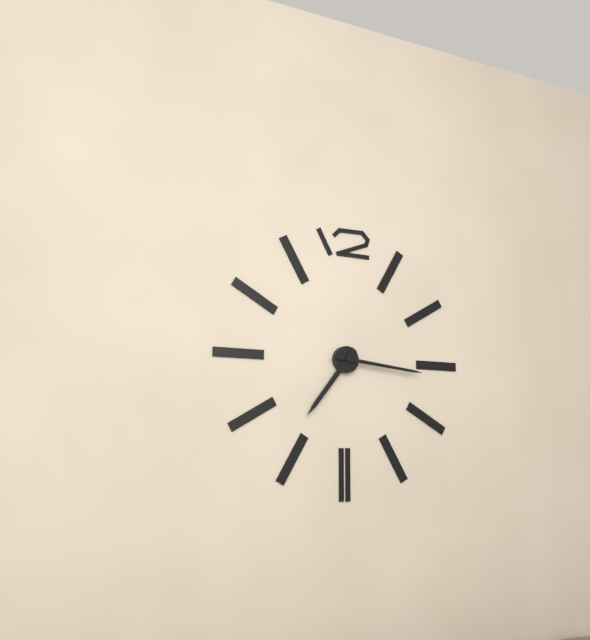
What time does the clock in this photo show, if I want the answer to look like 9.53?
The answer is 7.16
